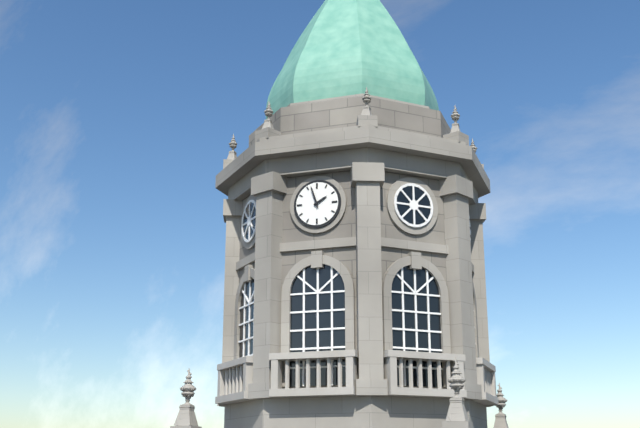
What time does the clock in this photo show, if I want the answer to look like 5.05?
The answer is 1.57
